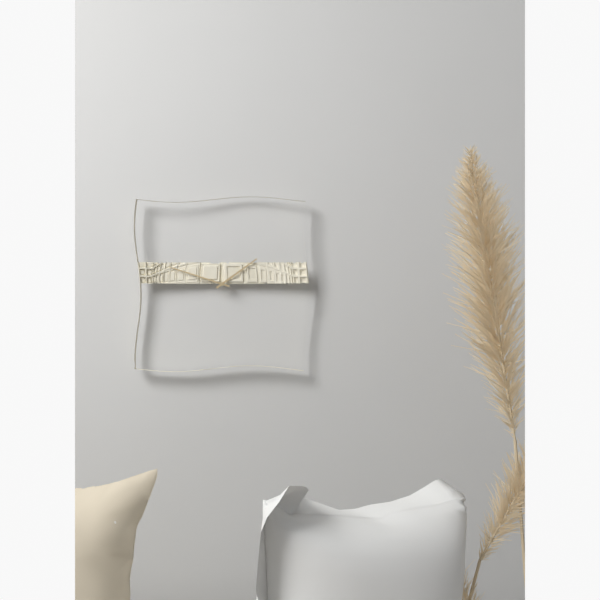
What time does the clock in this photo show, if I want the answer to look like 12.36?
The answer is 1.48
